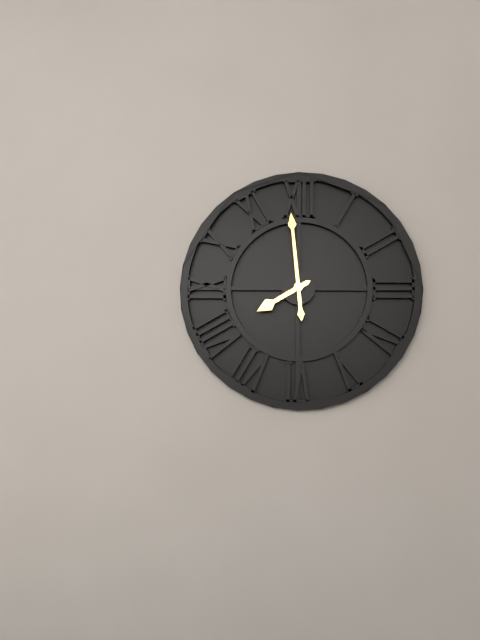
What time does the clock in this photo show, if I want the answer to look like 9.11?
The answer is 7.59
